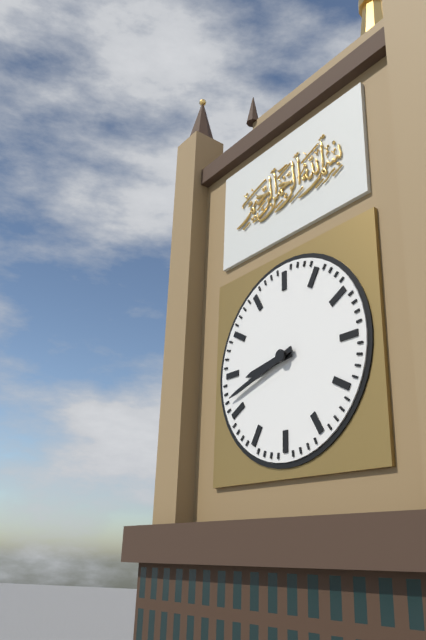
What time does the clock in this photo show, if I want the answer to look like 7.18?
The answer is 8.42
